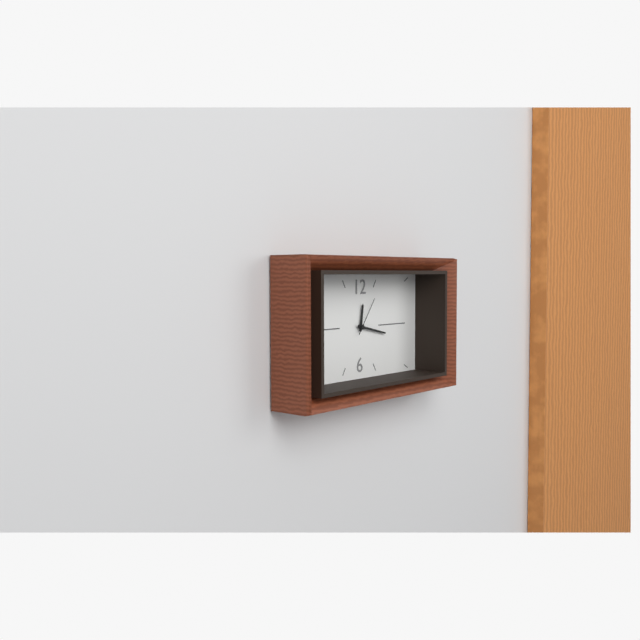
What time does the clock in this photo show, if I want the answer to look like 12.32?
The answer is 12.17
